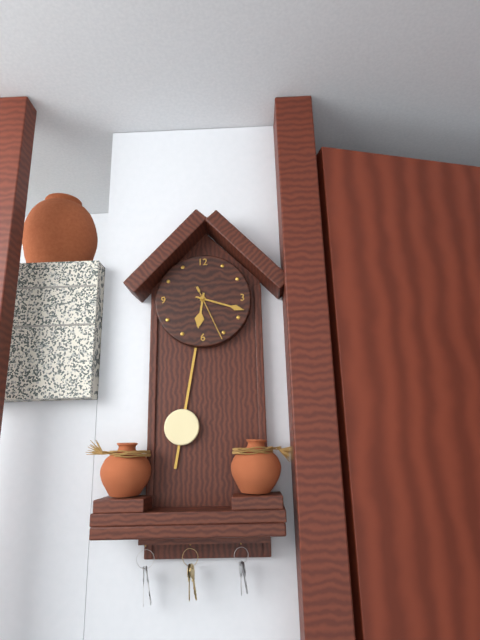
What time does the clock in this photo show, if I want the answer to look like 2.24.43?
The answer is 6.18.26
